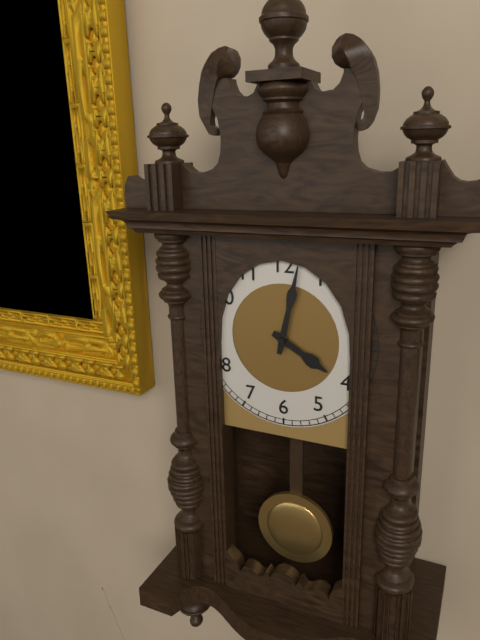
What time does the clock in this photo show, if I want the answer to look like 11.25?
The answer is 4.02
